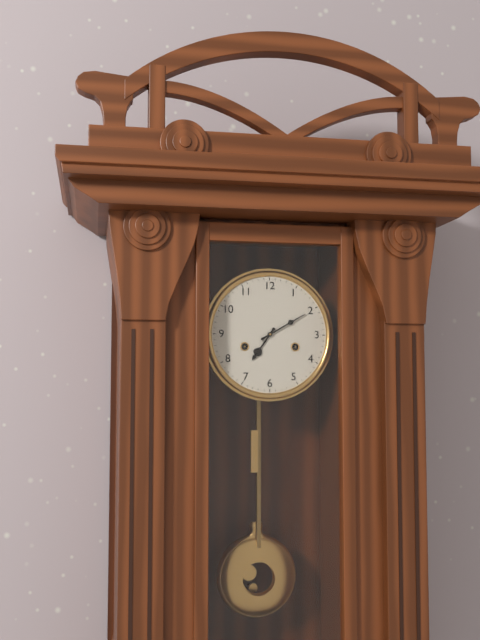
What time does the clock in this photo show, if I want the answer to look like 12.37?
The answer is 7.10
